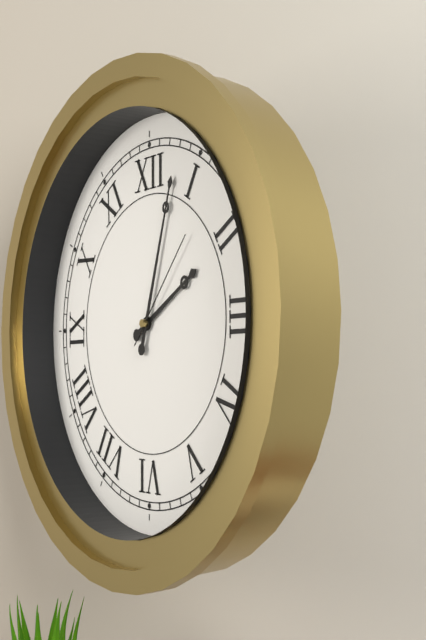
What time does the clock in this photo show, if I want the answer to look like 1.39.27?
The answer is 2.03.07
